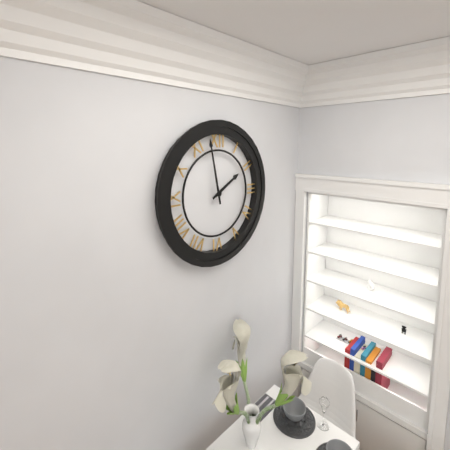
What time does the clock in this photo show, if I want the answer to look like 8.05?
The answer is 1.58
